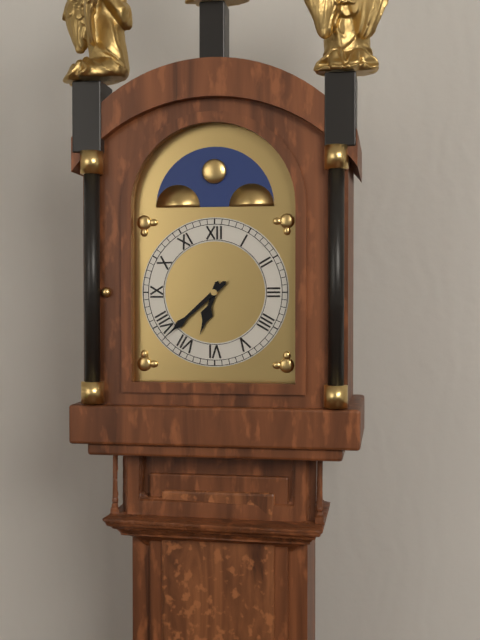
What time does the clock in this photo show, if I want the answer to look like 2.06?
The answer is 6.38
